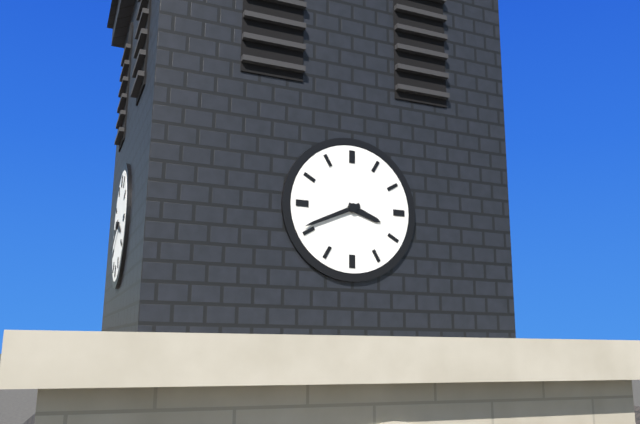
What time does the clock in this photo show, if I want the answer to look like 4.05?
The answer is 3.41
